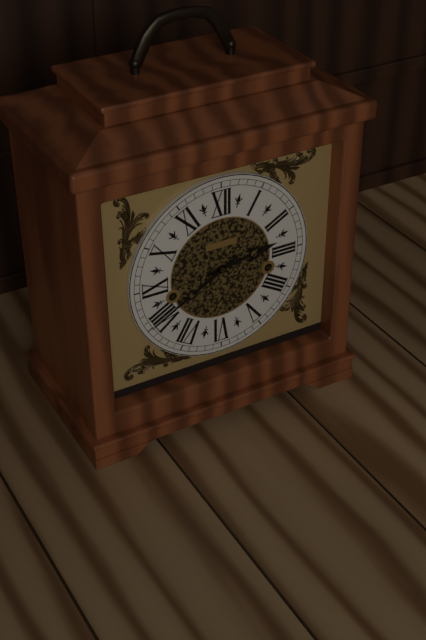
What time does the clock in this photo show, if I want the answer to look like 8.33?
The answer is 2.40
